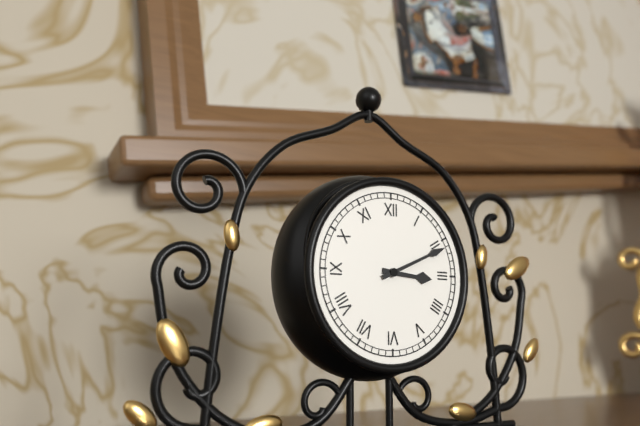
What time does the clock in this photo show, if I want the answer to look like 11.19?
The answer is 3.11
